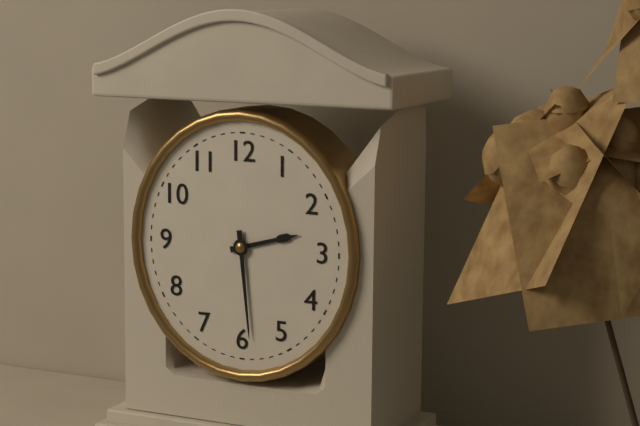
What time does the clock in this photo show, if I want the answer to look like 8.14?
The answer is 2.29
